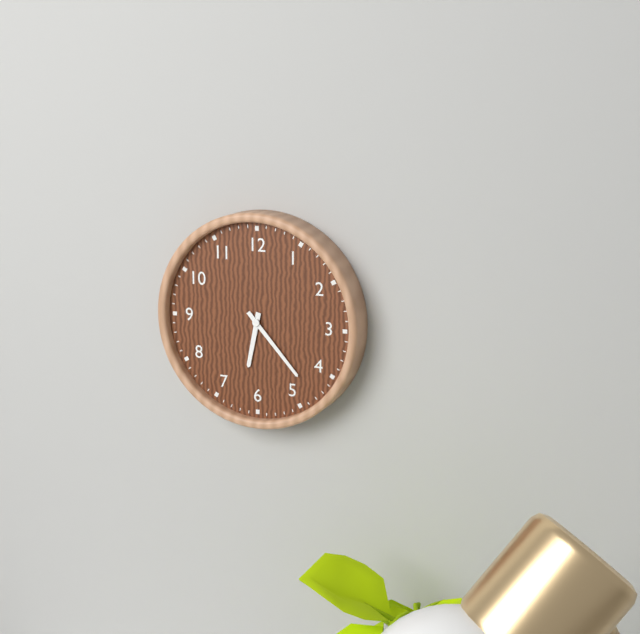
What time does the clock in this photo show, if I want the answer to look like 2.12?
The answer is 6.23
